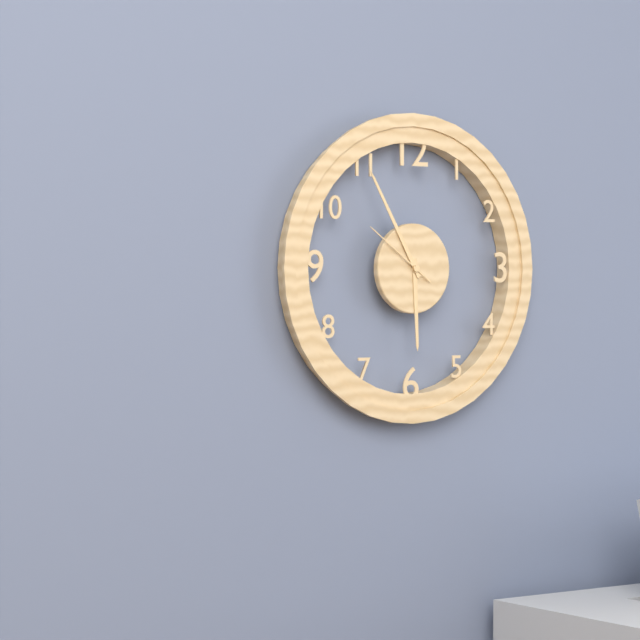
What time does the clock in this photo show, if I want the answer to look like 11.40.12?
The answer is 5.55.51
